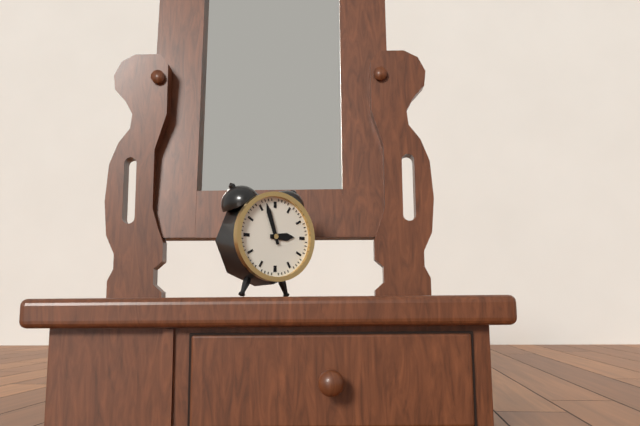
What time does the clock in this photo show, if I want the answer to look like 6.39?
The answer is 2.57
